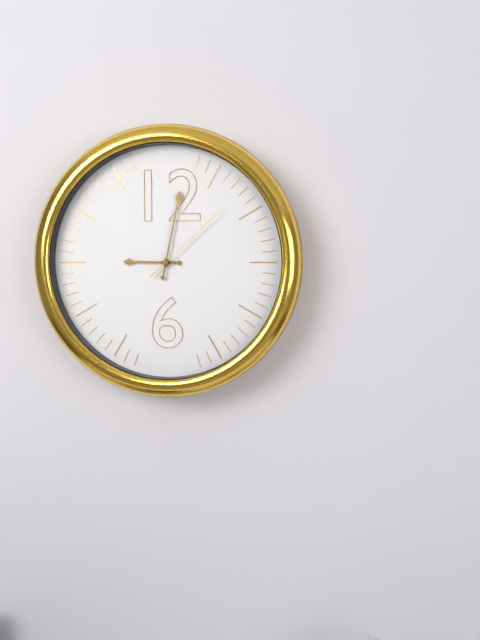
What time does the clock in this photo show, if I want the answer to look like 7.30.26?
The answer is 9.02.08
